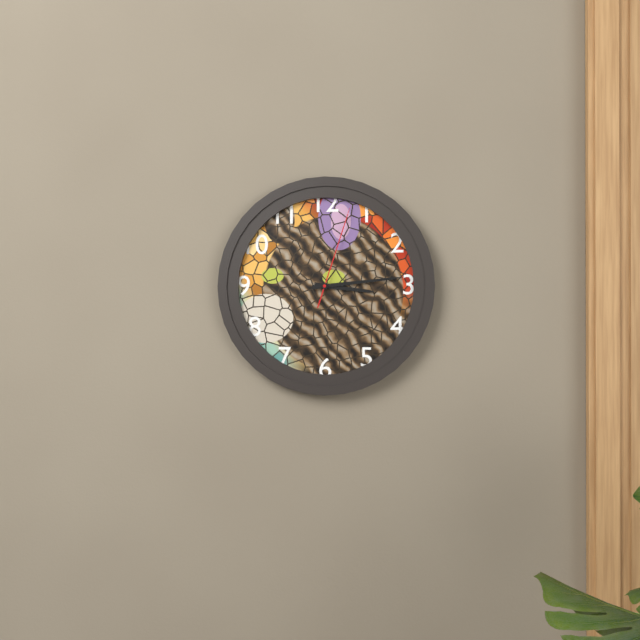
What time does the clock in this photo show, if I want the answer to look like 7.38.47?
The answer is 3.14.03
